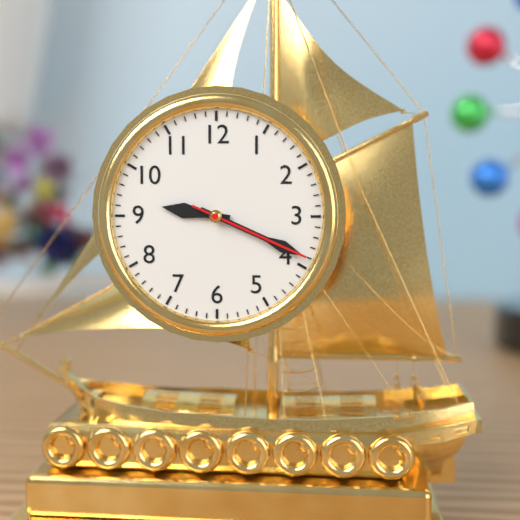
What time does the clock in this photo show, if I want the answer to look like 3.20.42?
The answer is 9.19.19
